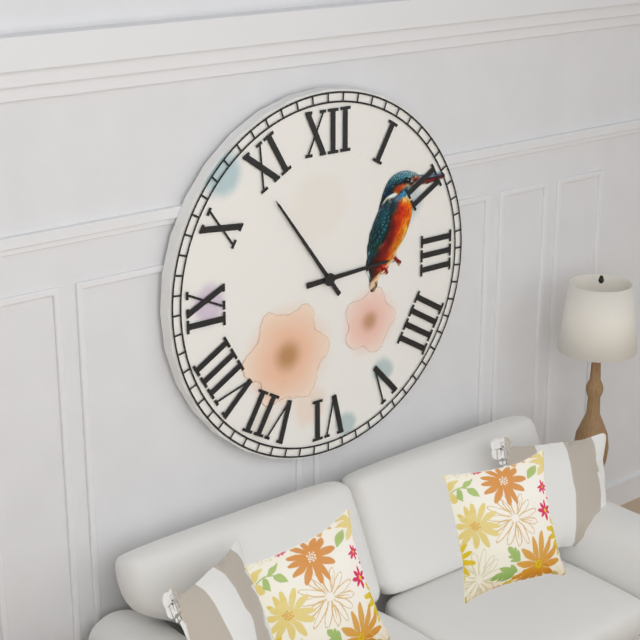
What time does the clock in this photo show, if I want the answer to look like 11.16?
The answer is 2.54
